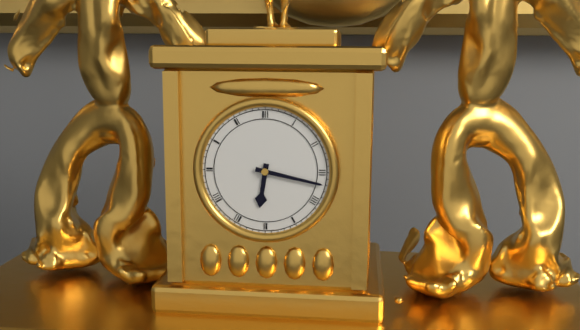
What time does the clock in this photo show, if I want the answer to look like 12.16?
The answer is 6.17
